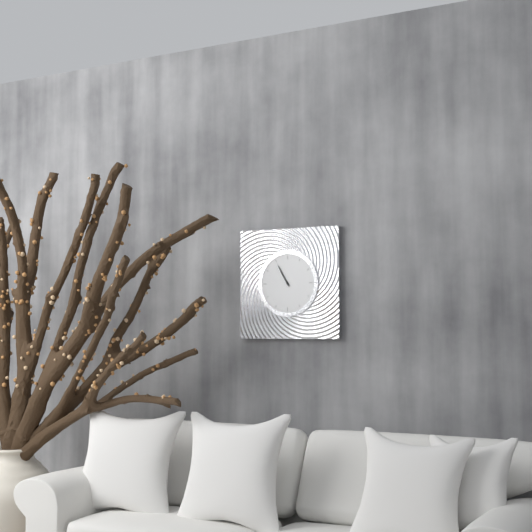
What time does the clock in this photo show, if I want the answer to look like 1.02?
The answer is 10.55
